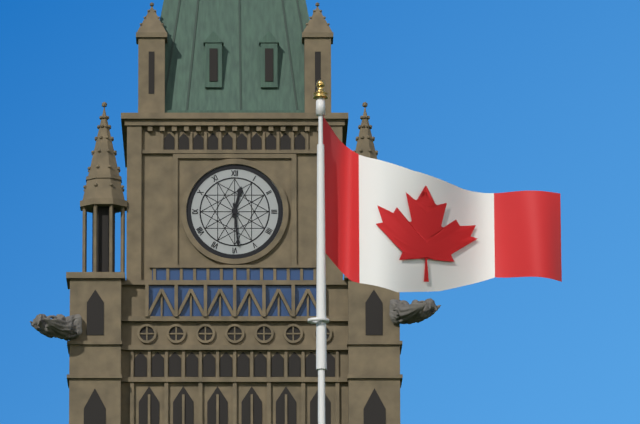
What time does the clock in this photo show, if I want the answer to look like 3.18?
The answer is 12.29
